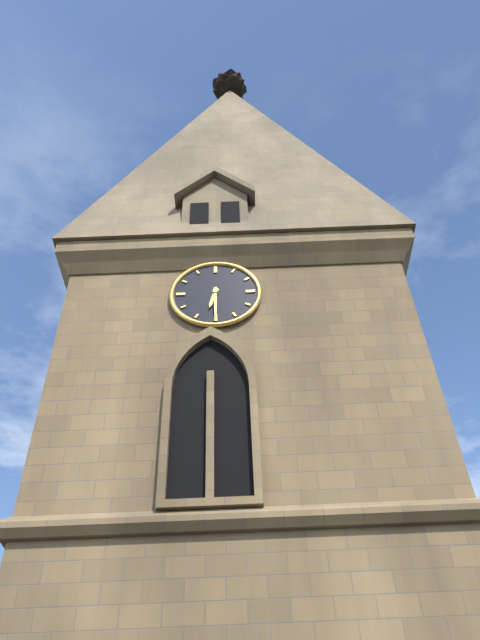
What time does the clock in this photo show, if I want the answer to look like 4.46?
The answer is 6.30
